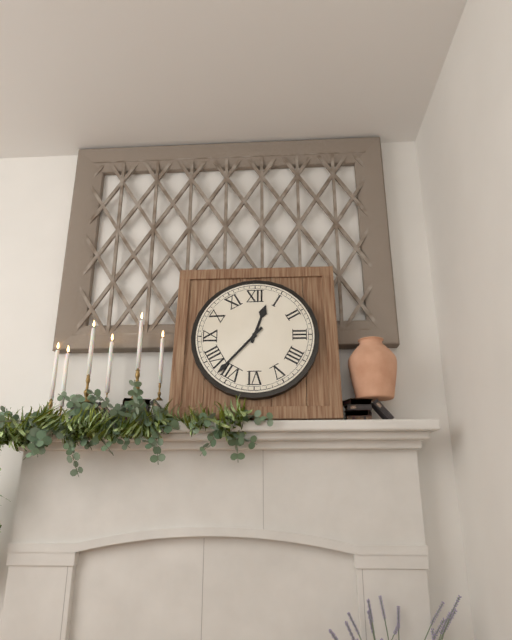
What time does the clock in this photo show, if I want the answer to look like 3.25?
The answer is 12.37
